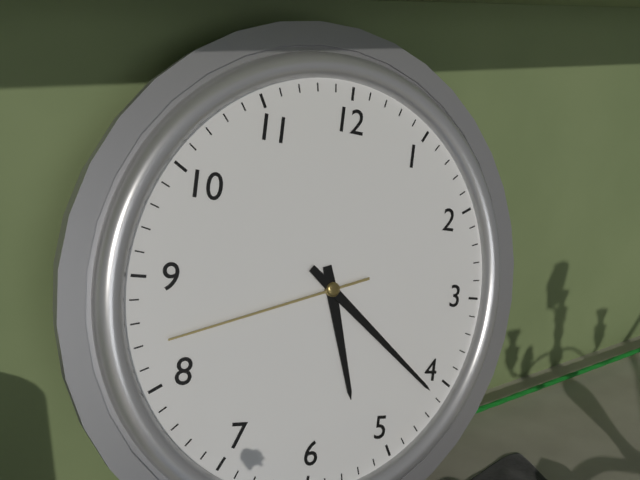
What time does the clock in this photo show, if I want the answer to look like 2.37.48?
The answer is 5.21.42
